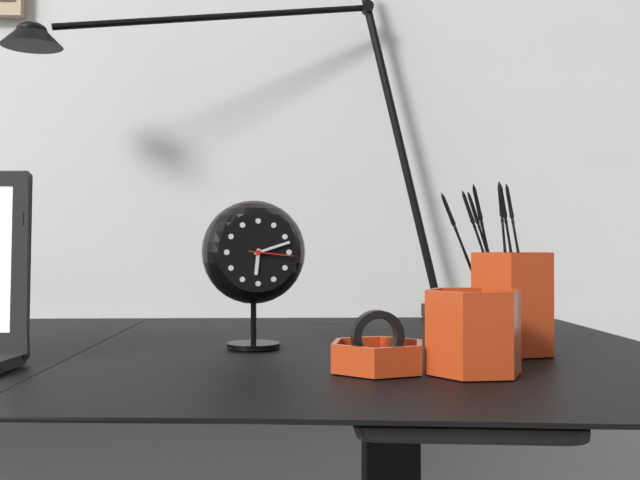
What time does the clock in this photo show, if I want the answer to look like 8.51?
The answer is 6.12
